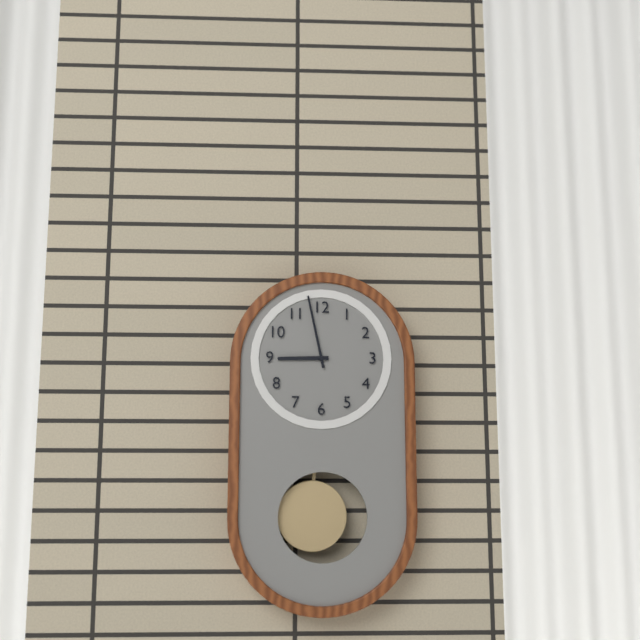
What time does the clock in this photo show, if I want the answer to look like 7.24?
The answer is 8.58
